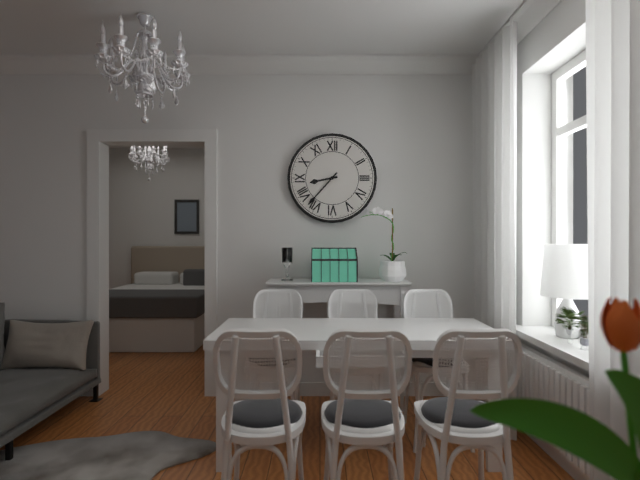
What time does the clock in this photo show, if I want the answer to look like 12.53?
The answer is 8.37
